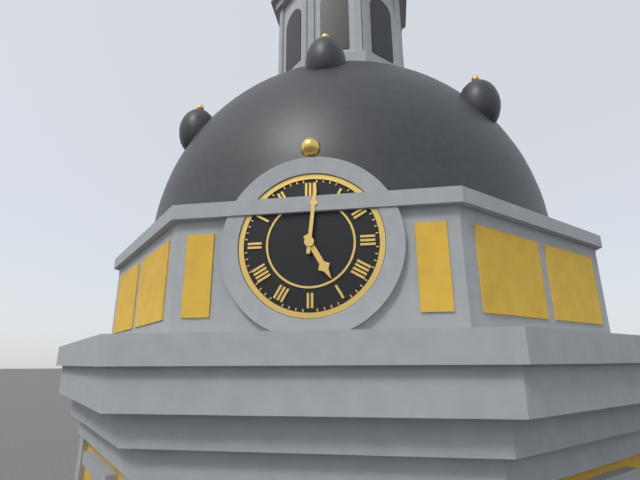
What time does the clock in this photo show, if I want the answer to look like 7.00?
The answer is 5.01
